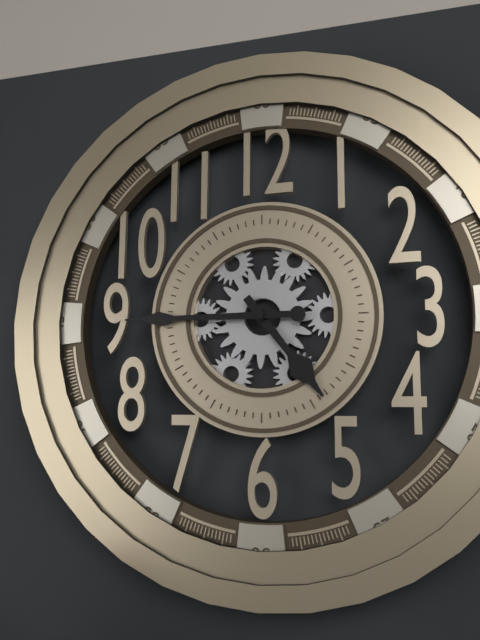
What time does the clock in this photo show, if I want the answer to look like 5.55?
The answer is 4.45
